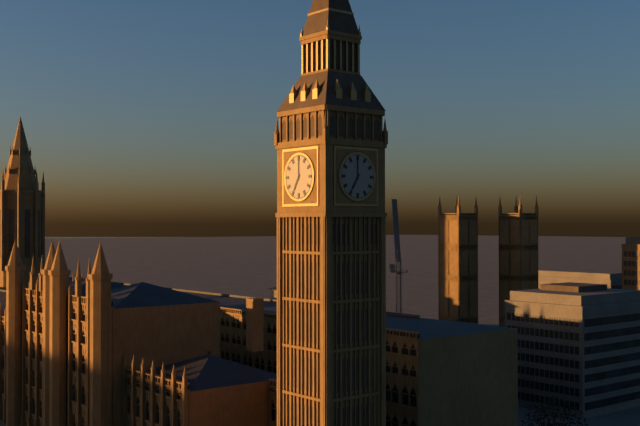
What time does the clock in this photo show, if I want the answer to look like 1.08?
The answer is 7.00
